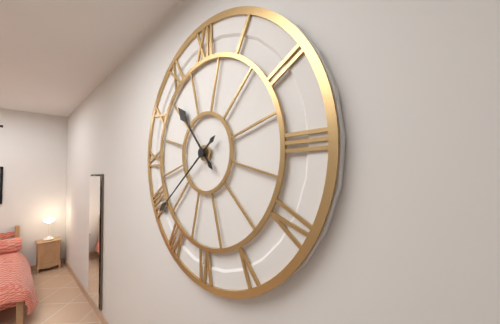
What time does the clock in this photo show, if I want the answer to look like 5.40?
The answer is 10.39
